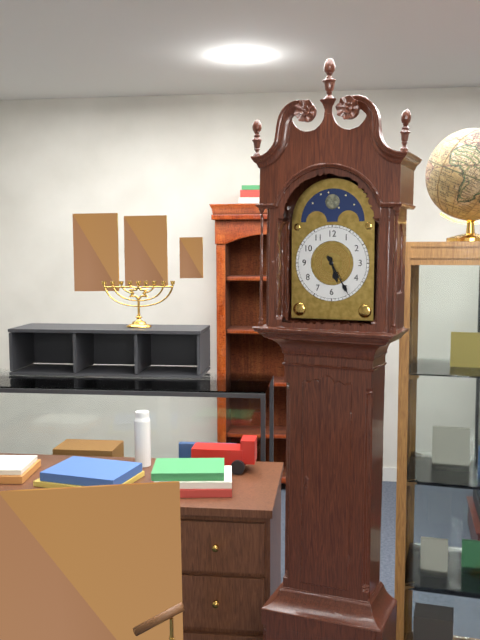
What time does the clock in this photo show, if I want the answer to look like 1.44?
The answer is 5.25
